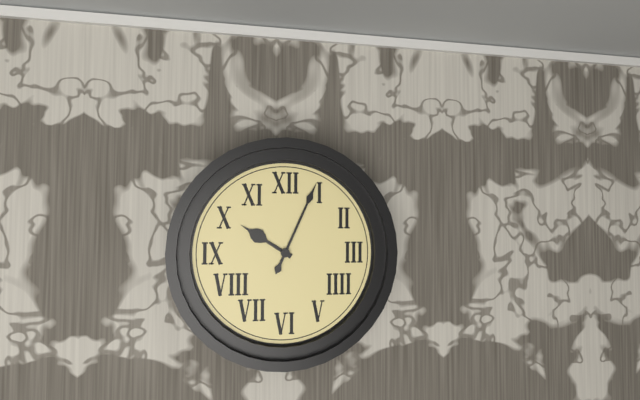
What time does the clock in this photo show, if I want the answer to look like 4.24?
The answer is 10.04
